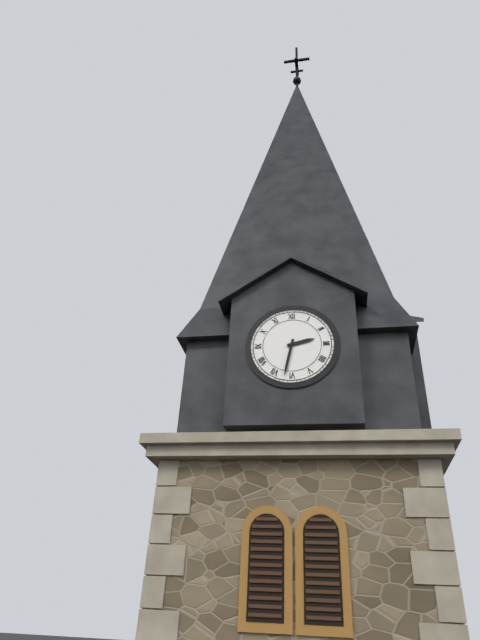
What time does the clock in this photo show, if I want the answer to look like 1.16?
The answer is 2.32
